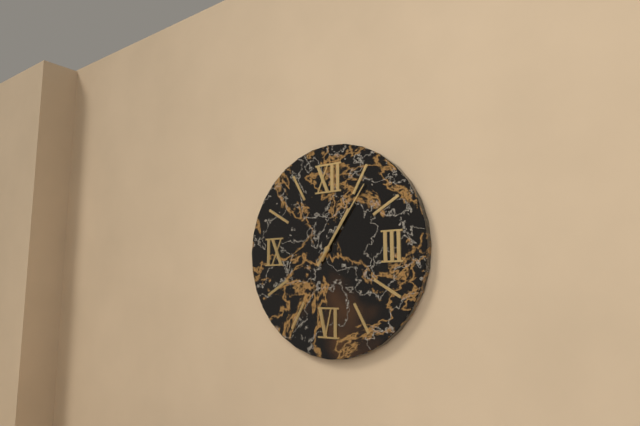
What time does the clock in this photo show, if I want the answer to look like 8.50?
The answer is 1.06
